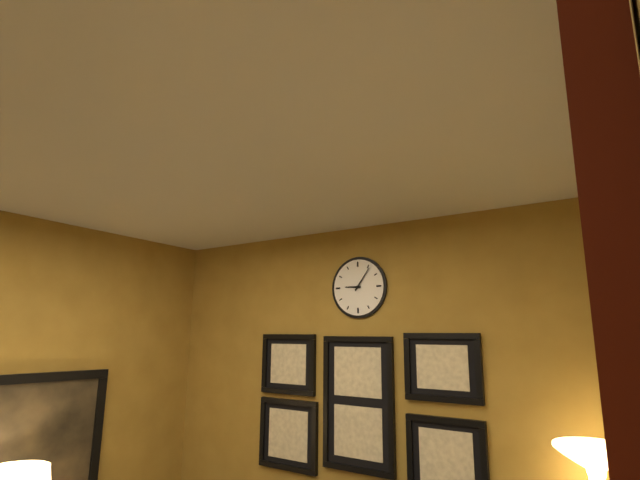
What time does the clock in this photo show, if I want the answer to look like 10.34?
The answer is 9.06
